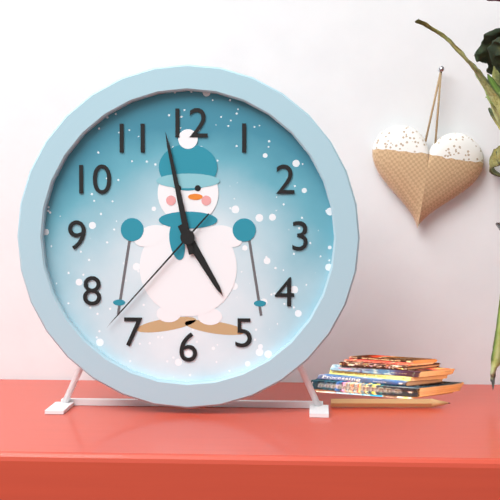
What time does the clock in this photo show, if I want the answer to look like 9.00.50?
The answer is 4.58.37
